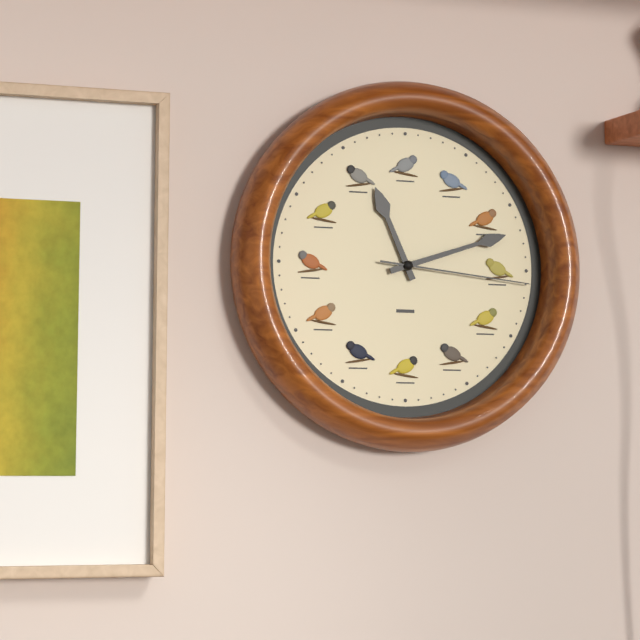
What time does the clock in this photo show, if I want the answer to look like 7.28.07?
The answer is 11.12.16
